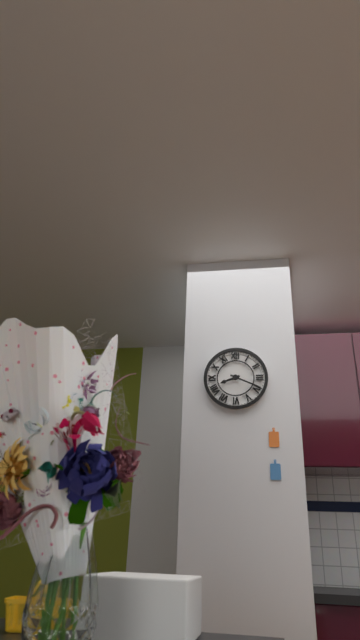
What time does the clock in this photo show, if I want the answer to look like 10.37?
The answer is 8.19
